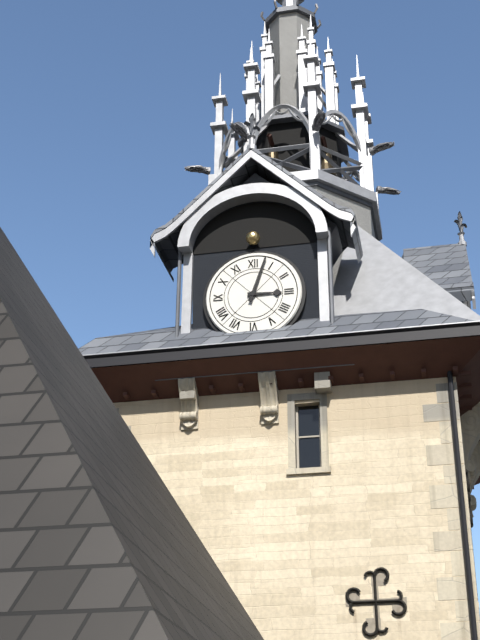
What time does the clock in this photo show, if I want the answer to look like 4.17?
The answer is 3.03
